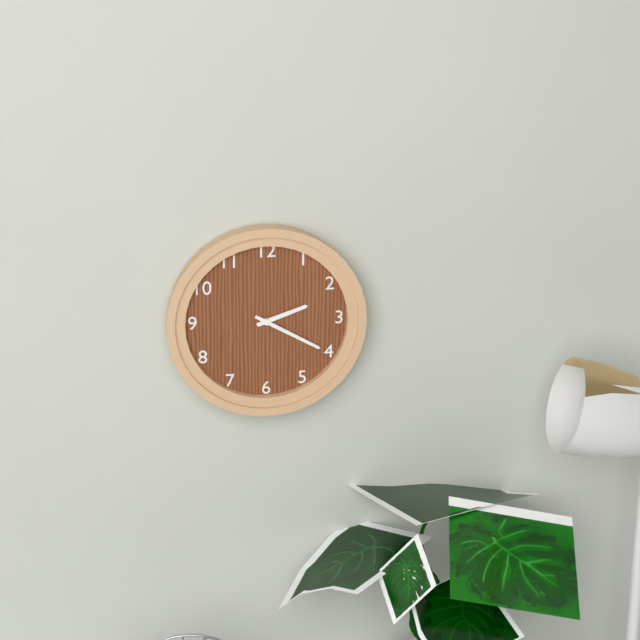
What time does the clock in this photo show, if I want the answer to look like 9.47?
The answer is 2.20
